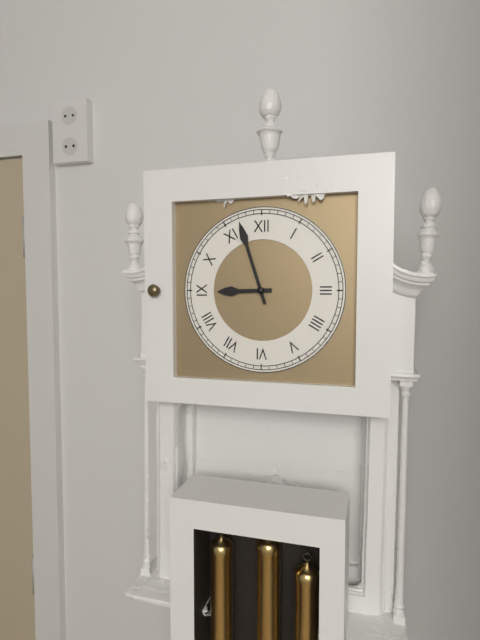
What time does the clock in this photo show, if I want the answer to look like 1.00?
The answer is 8.57
